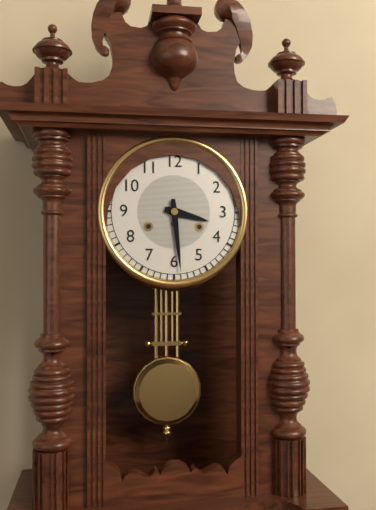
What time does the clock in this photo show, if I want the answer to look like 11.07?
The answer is 3.29
